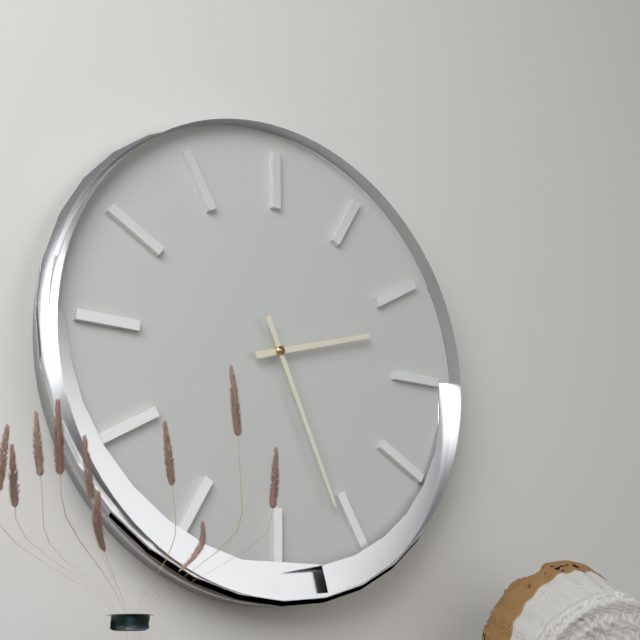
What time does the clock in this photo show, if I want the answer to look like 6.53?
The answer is 2.26
